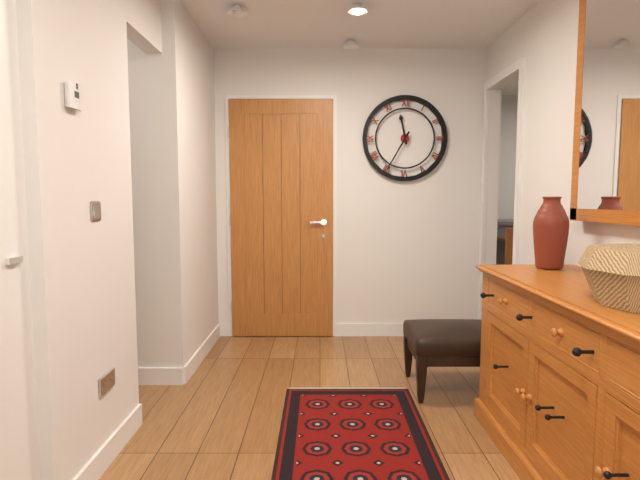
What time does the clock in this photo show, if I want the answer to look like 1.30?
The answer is 11.35
